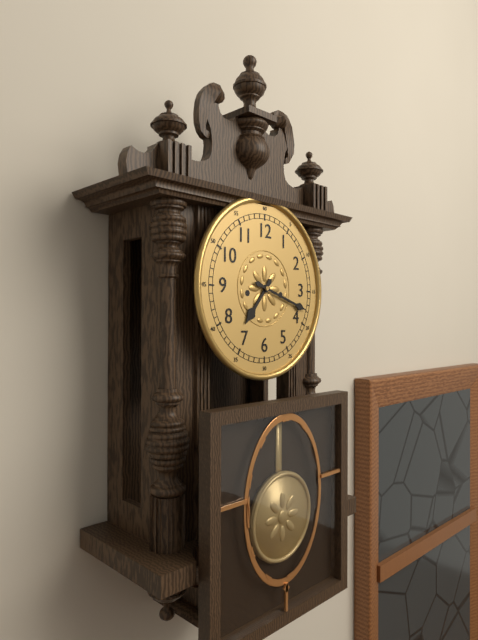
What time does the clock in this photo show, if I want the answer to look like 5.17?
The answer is 7.18
